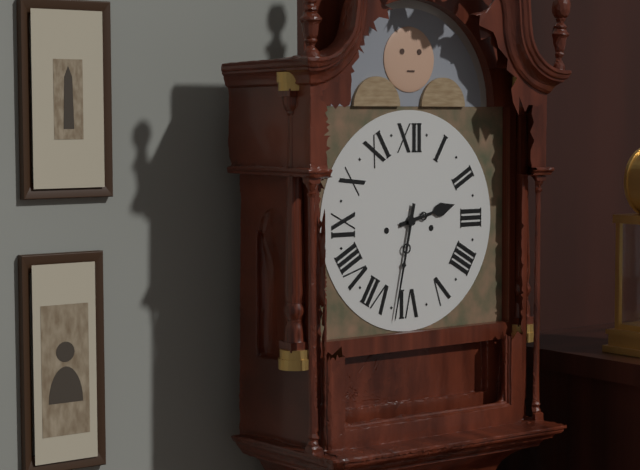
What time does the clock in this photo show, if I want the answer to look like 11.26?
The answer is 2.32
